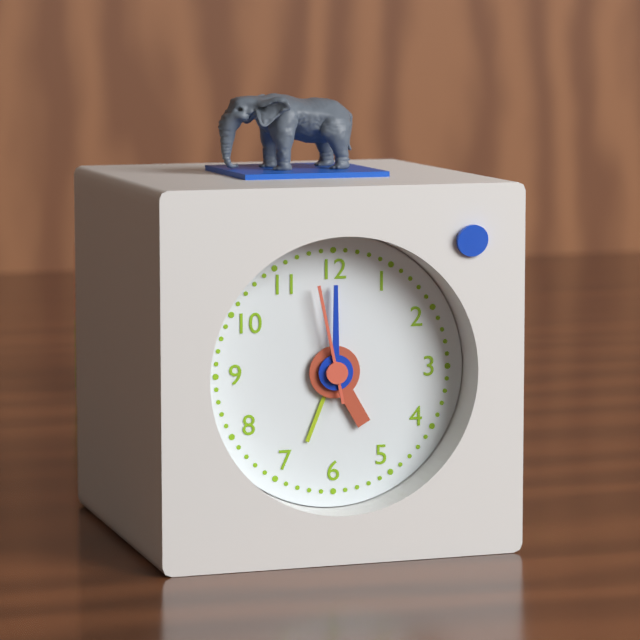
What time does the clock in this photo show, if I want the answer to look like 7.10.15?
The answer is 5.00.58
